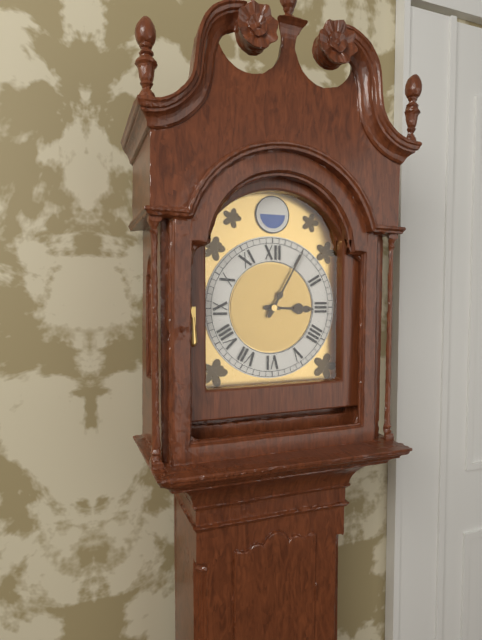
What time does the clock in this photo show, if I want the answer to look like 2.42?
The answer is 3.05
